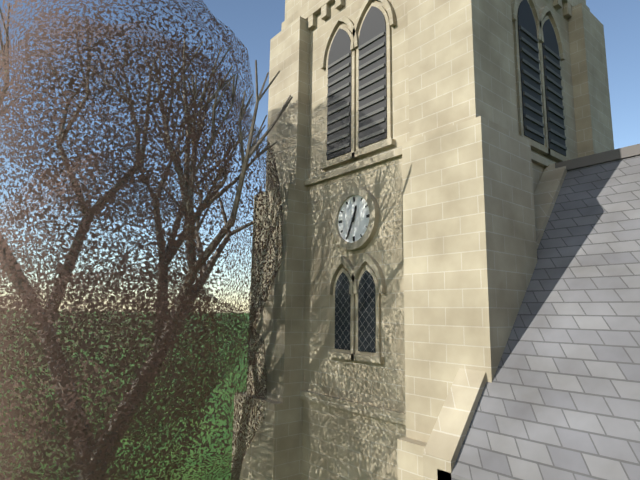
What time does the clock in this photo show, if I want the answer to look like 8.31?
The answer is 12.34
